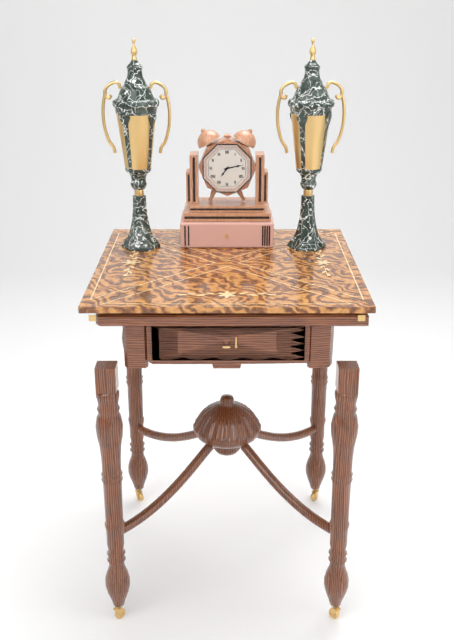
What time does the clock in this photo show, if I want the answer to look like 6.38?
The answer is 7.13
